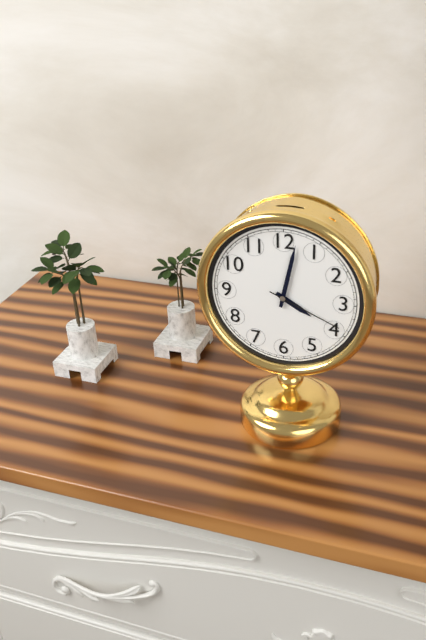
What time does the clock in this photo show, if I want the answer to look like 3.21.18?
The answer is 4.02.19
